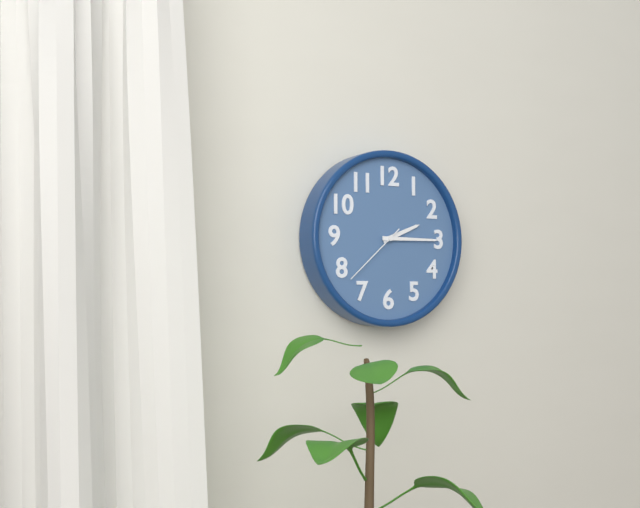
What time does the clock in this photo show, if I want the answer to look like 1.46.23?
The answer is 2.15.38
